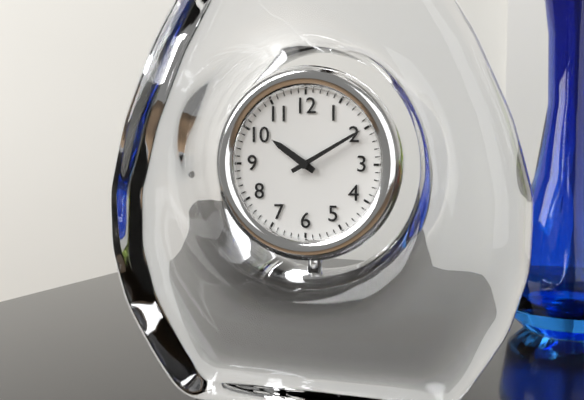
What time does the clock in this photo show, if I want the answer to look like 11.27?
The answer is 10.10
